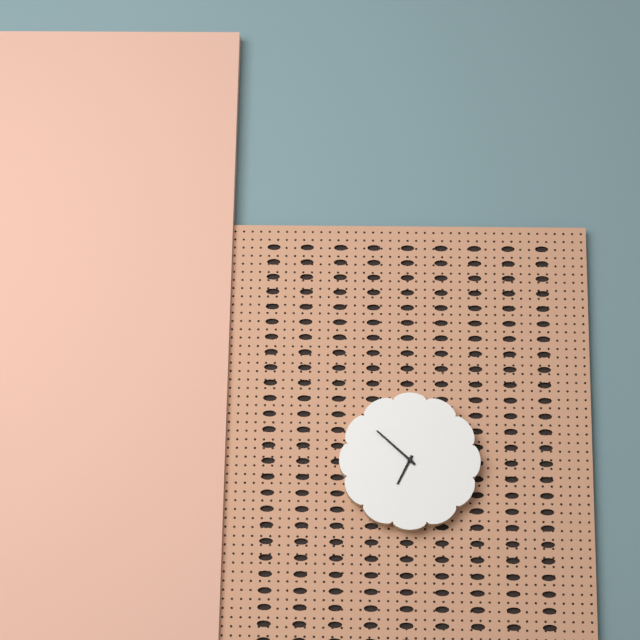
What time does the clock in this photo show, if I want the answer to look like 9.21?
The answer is 6.52
